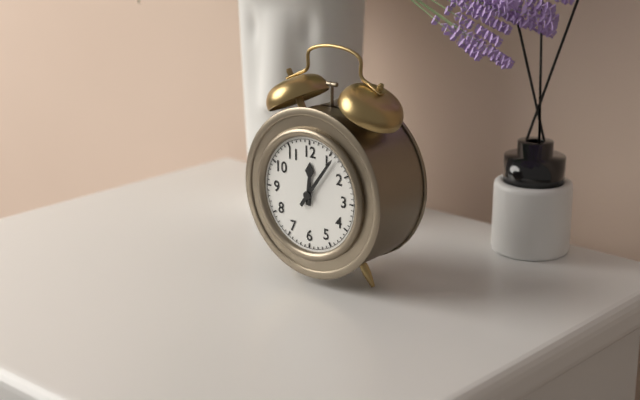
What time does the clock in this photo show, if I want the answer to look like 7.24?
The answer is 12.06
